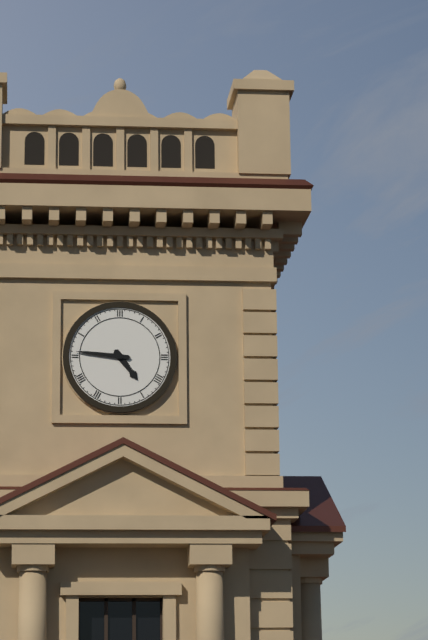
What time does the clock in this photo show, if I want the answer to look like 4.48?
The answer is 4.46
